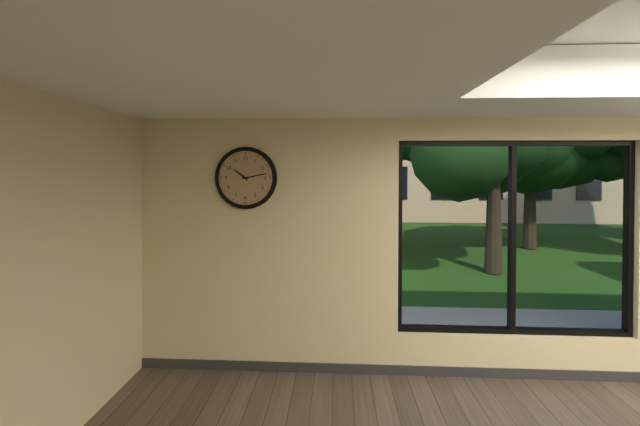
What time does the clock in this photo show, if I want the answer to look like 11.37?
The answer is 10.13
